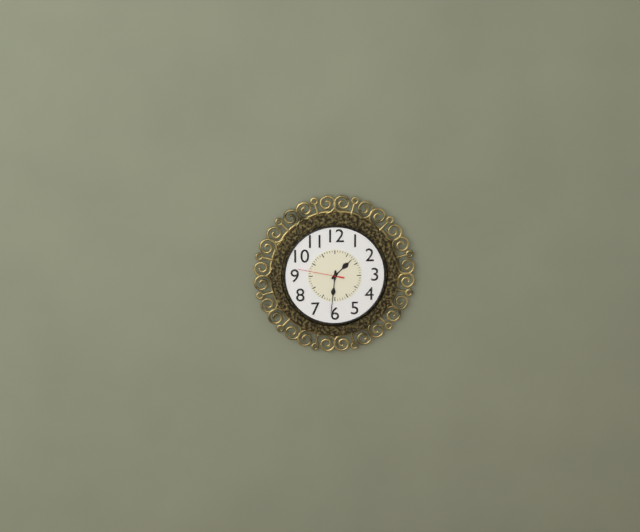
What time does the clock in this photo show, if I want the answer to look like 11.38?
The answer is 1.31
